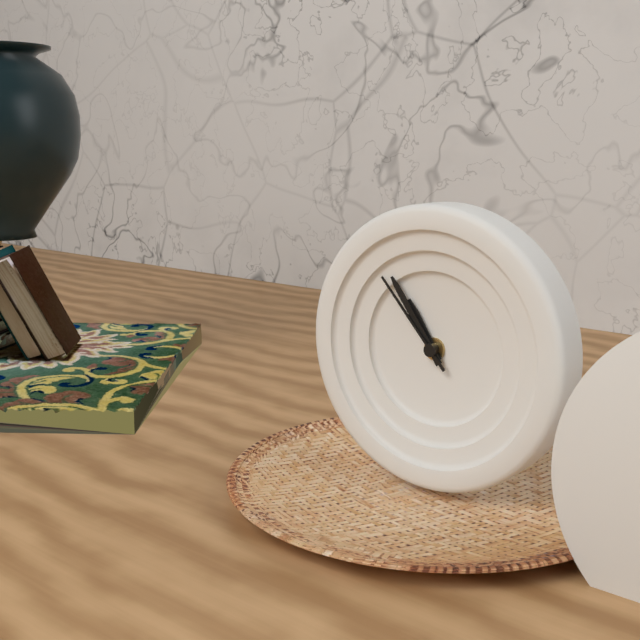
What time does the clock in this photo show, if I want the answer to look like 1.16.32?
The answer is 10.54.53
